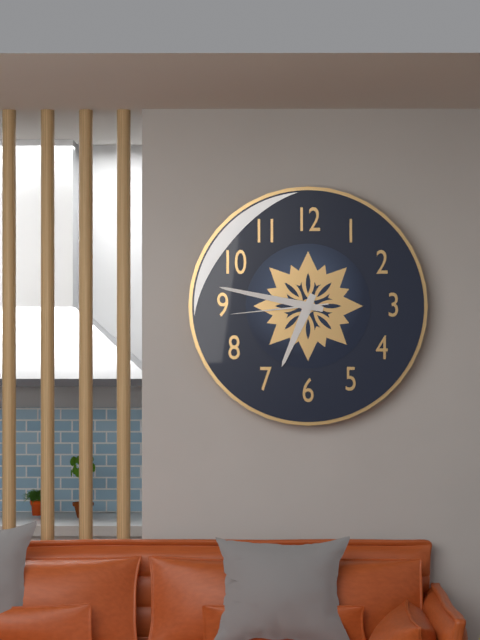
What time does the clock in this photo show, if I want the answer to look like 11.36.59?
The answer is 6.47.44
